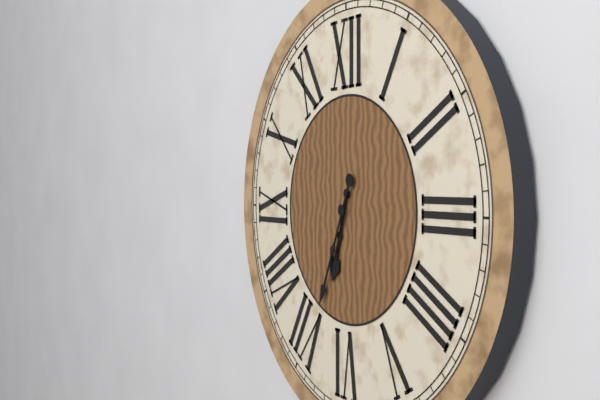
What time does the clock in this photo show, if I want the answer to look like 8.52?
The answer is 6.34
